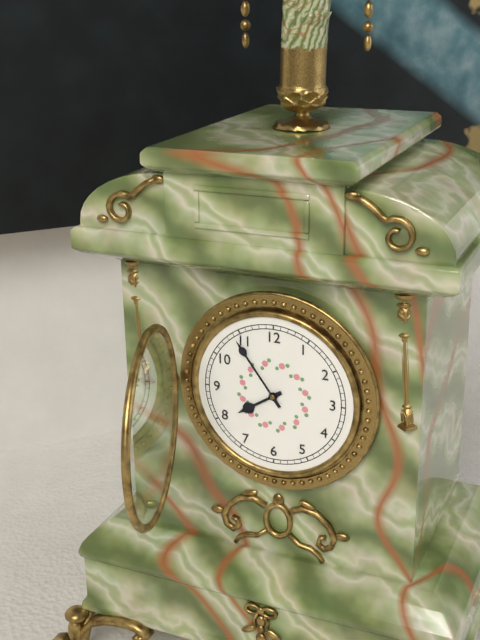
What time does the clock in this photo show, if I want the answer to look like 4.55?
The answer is 7.54
